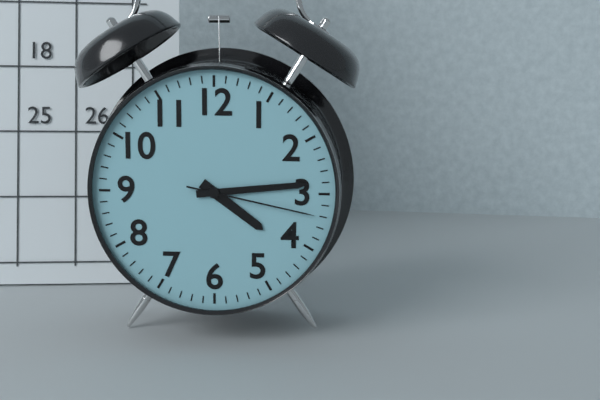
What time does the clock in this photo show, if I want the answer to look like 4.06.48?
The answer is 4.14.17
